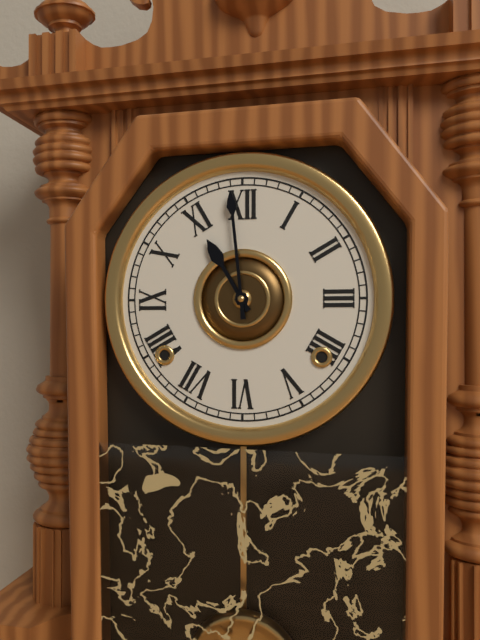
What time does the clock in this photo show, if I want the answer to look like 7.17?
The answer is 10.59
